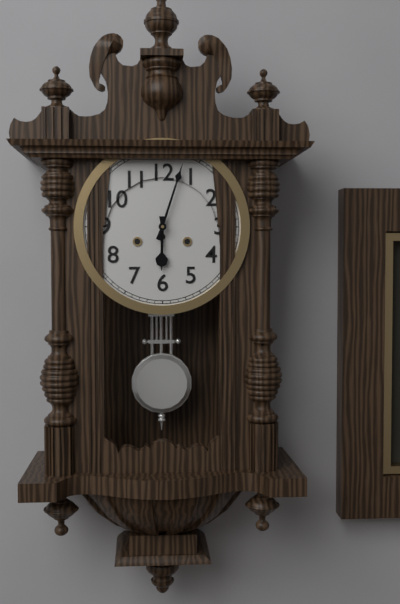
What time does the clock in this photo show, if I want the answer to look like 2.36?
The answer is 6.03
